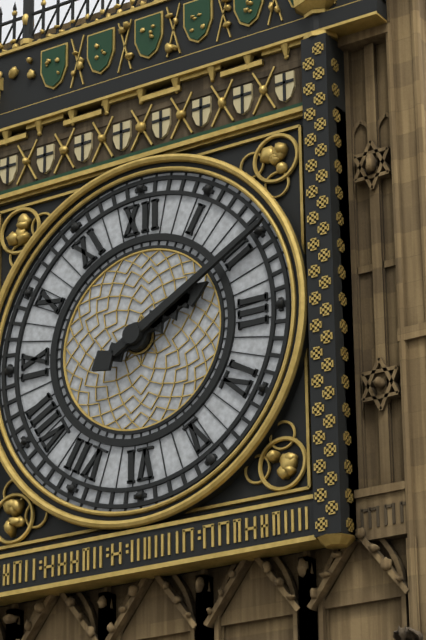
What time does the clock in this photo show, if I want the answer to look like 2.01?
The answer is 2.10
